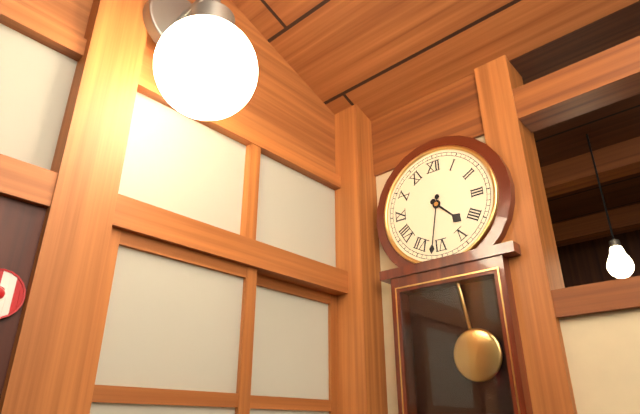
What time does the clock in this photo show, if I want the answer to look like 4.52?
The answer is 4.32
